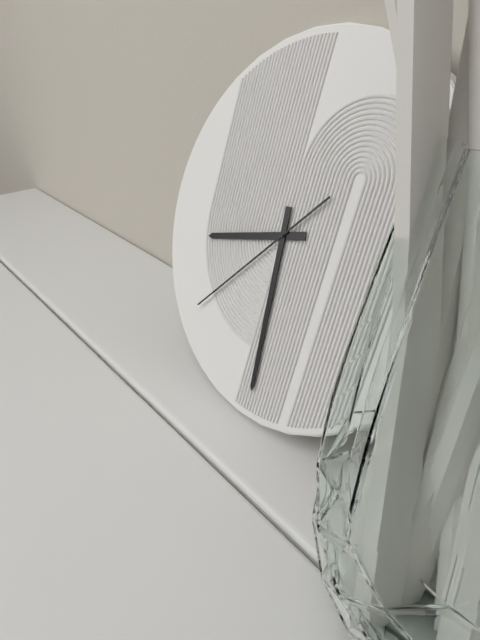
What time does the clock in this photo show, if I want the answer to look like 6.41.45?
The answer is 8.29.37
